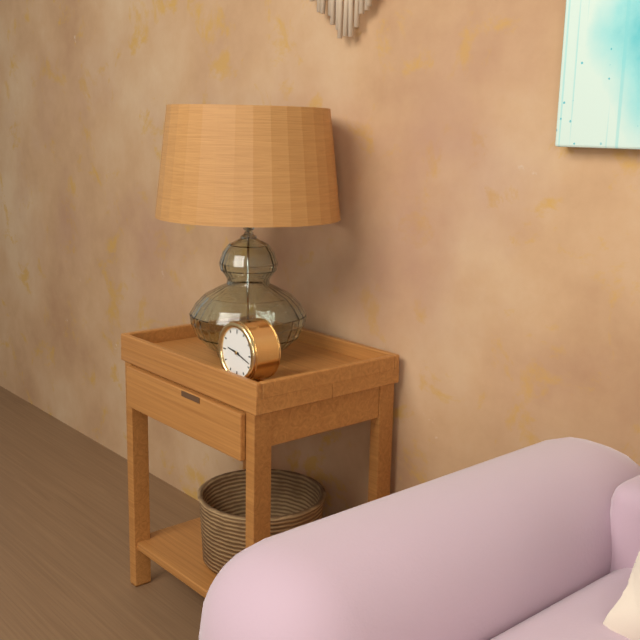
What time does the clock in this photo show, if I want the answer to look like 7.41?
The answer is 9.18
